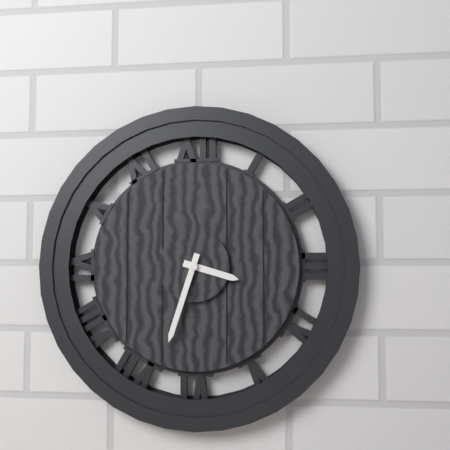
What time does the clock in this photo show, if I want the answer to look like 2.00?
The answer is 3.33
